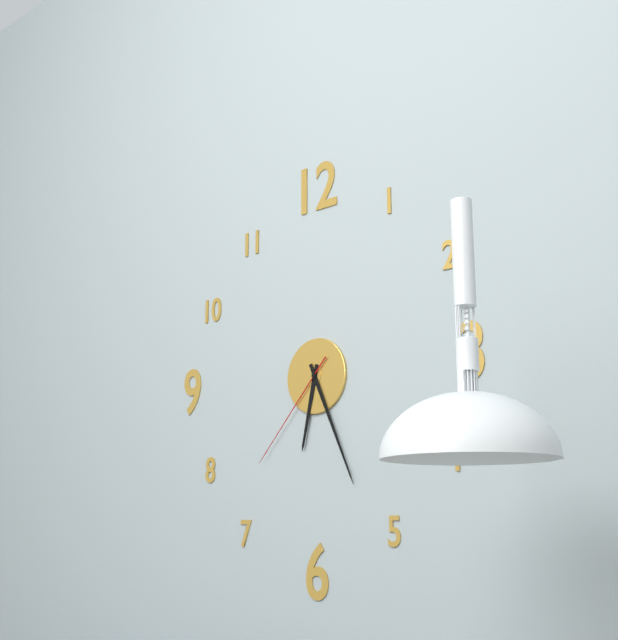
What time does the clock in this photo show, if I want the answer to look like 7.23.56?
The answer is 6.26.37
